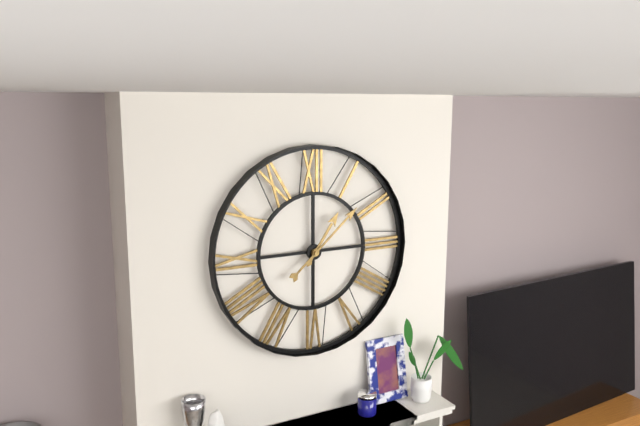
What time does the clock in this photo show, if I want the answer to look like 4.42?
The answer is 1.08
